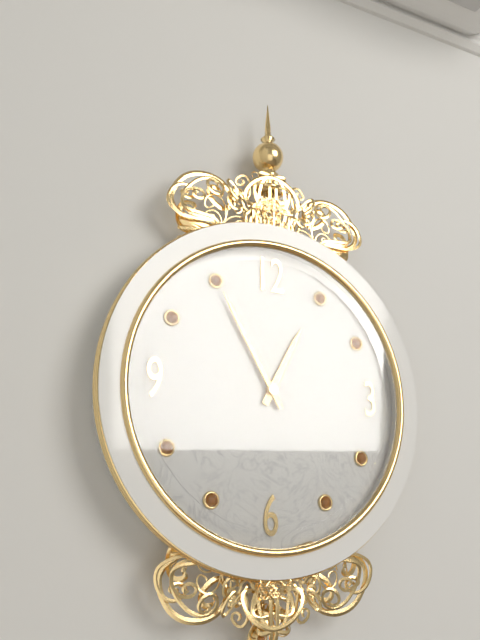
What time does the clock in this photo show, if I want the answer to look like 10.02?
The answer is 12.55
